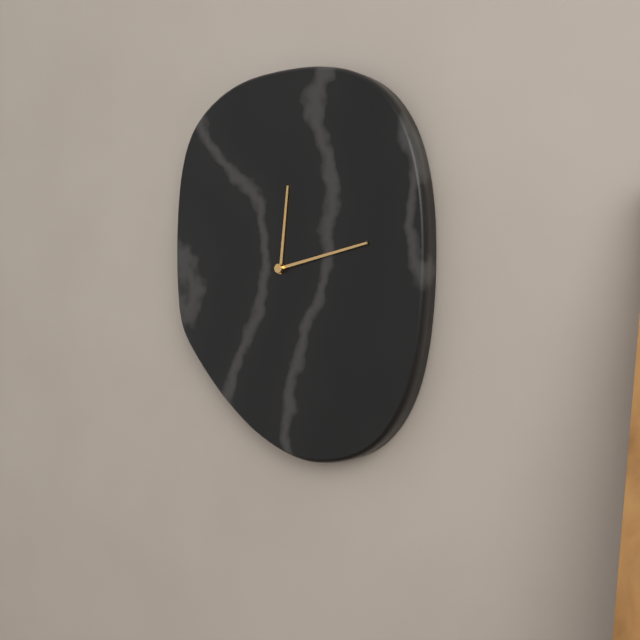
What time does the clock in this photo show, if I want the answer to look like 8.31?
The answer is 12.13
